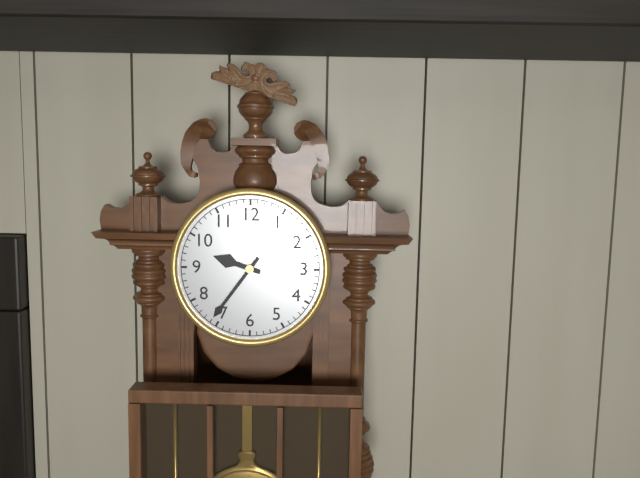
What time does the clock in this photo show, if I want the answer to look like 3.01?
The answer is 9.36
